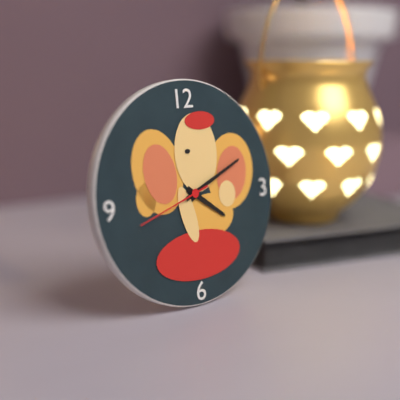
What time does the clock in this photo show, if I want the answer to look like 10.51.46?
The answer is 4.11.42
